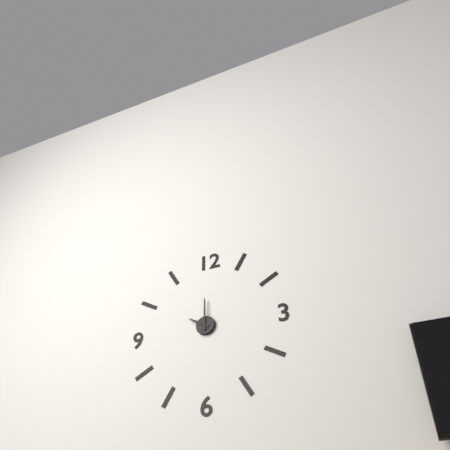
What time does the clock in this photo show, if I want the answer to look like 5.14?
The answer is 10.00
